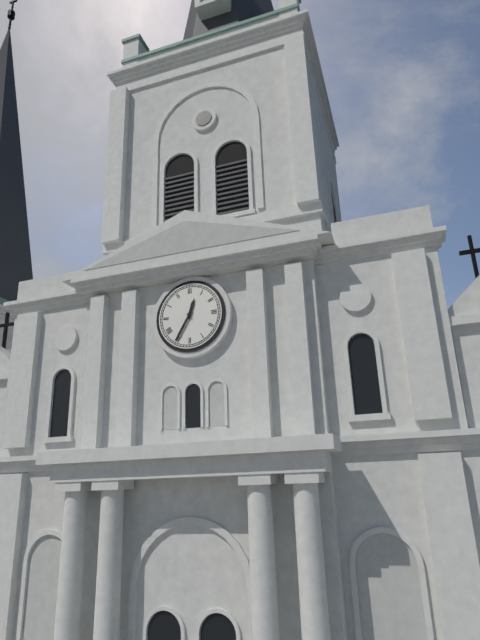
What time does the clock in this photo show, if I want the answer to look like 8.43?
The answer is 12.35
